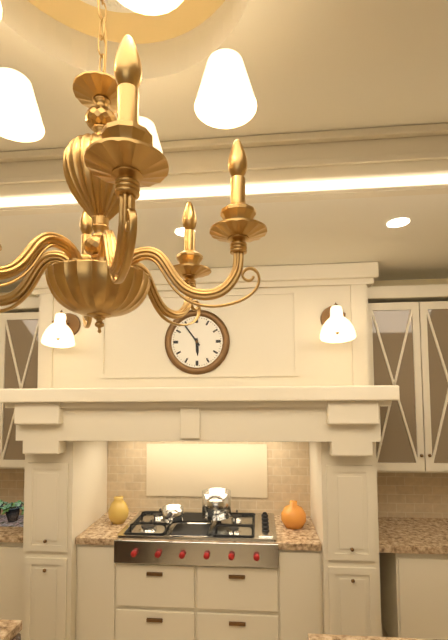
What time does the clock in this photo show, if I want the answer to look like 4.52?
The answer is 5.54
